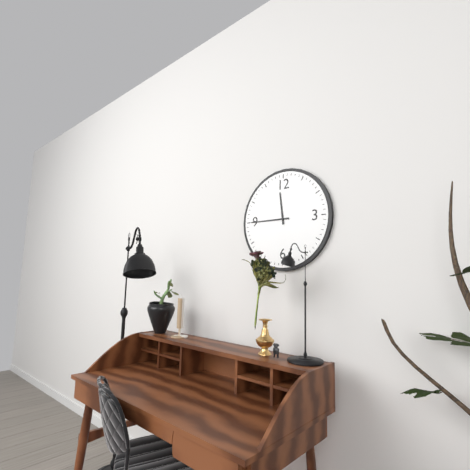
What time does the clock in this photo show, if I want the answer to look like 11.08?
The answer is 11.45
